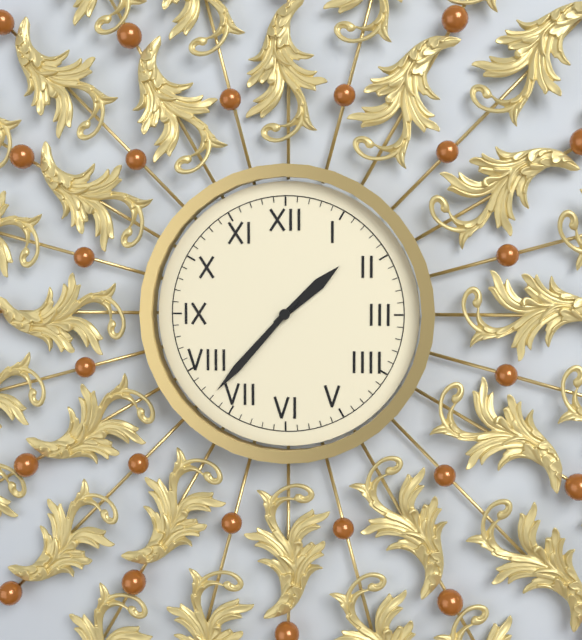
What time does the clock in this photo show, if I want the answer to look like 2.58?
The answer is 1.37
